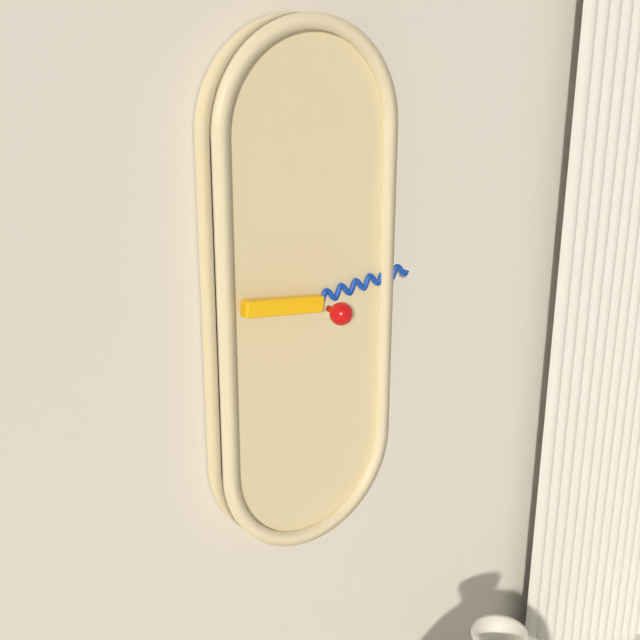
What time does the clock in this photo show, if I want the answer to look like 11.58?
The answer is 9.14
